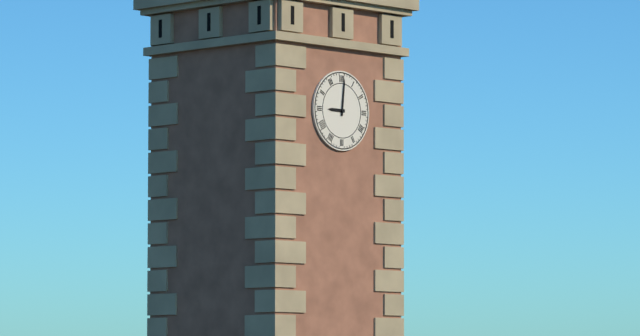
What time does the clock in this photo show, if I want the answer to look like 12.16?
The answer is 9.01
